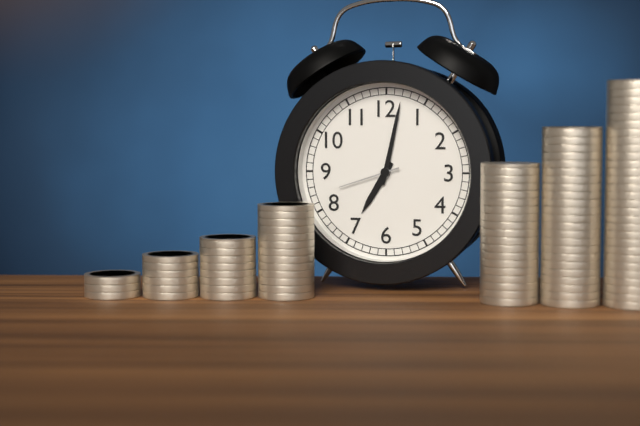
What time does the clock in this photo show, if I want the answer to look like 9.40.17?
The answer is 7.02.42
